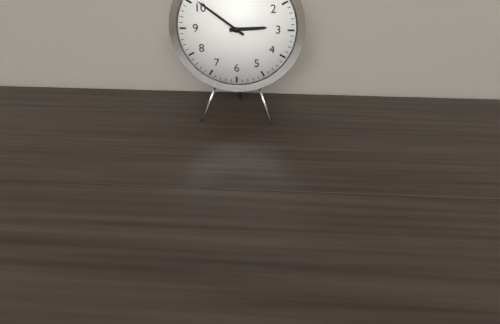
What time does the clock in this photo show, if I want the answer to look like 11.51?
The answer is 2.51
